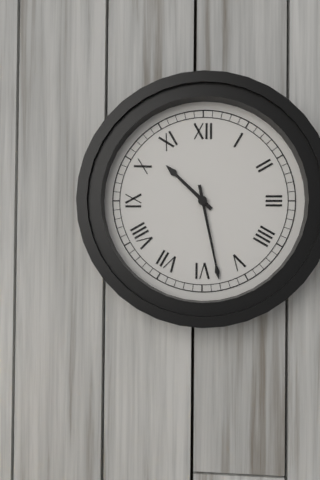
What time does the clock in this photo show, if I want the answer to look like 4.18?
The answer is 10.28
